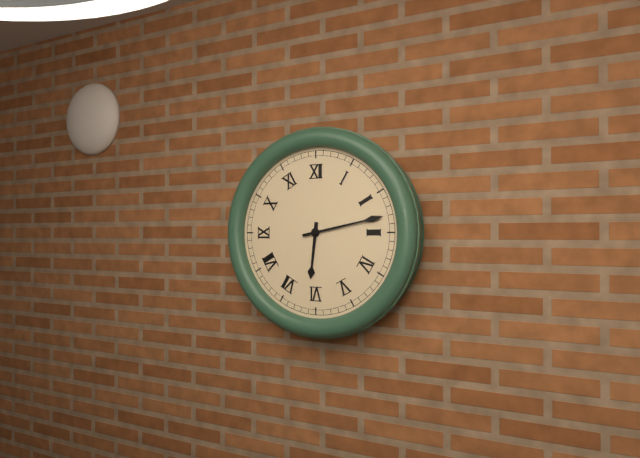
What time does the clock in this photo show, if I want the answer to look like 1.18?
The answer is 6.13
